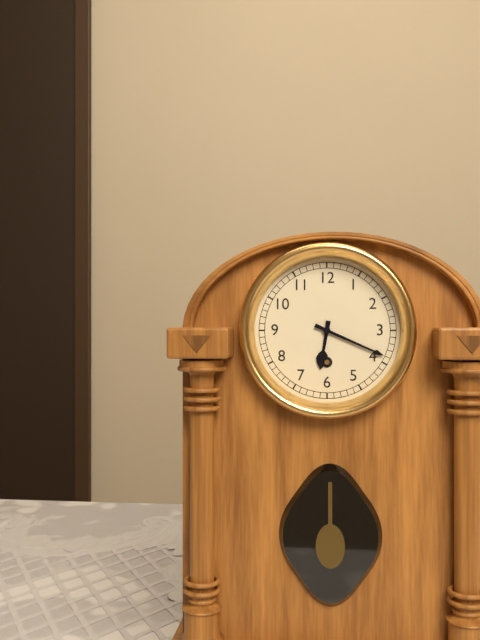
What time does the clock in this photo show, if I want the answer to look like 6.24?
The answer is 6.19
